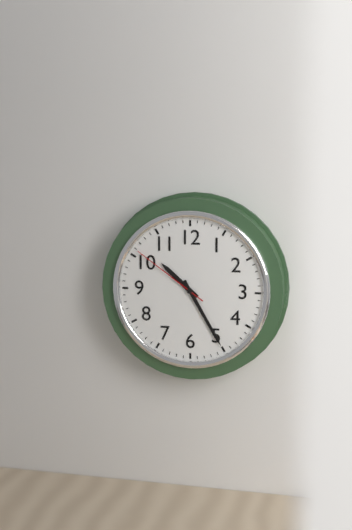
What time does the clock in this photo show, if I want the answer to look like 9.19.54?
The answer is 10.25.51
